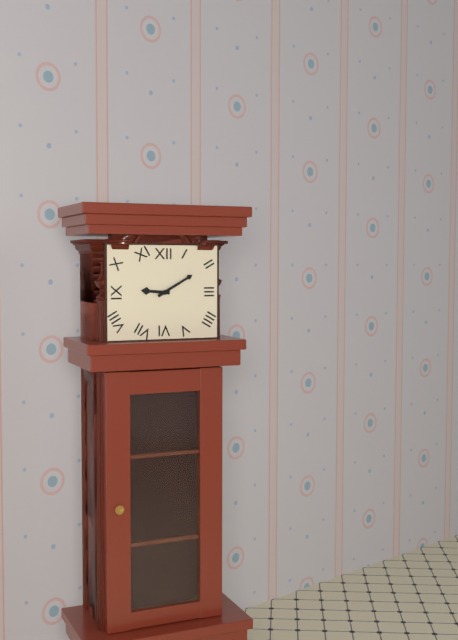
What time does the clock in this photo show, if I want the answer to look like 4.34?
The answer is 9.10
